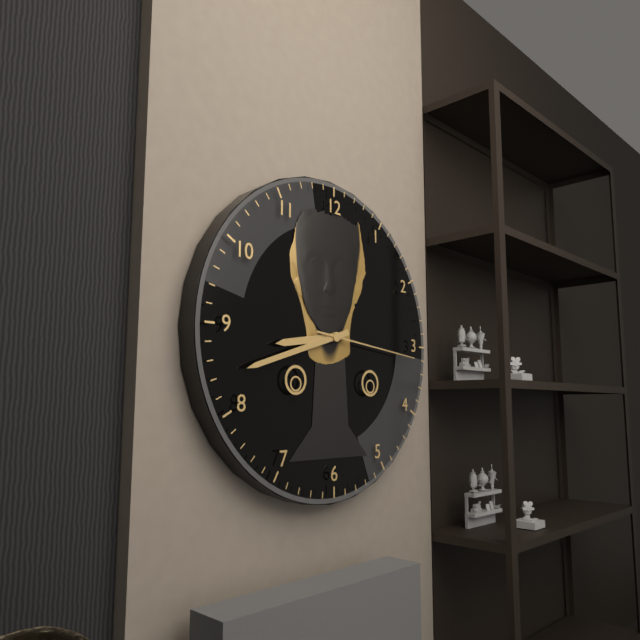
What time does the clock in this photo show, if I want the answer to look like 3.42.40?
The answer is 8.42.16
